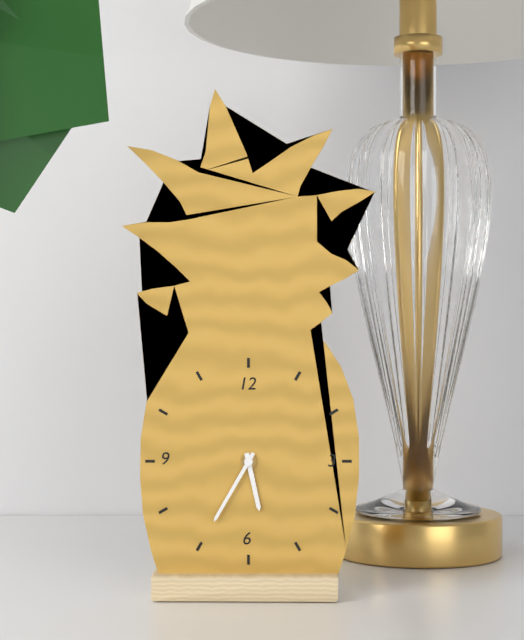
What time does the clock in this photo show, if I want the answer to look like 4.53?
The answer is 5.35
